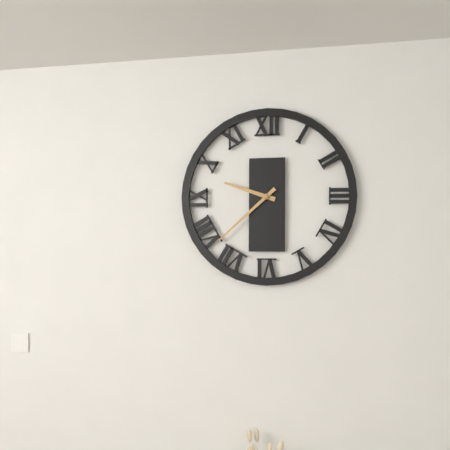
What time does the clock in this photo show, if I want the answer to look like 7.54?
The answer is 9.38
